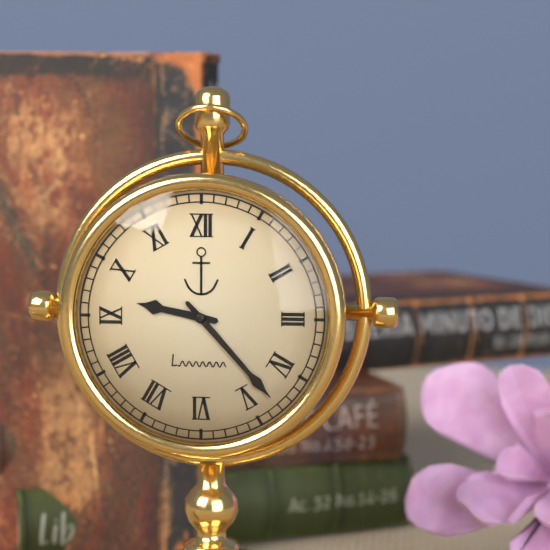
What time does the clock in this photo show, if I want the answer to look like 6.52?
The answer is 9.23
